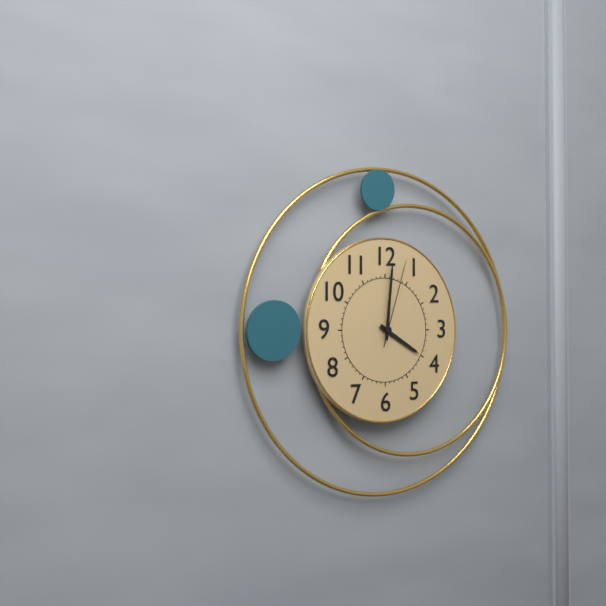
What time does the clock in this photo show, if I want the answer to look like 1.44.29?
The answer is 4.01.03
